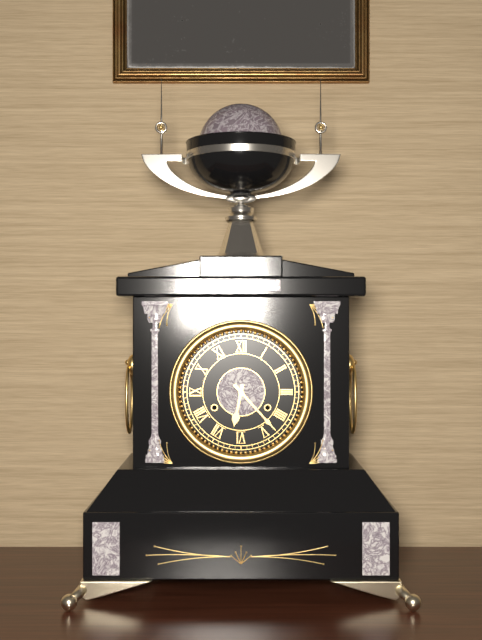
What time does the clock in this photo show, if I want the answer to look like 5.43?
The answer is 6.23
